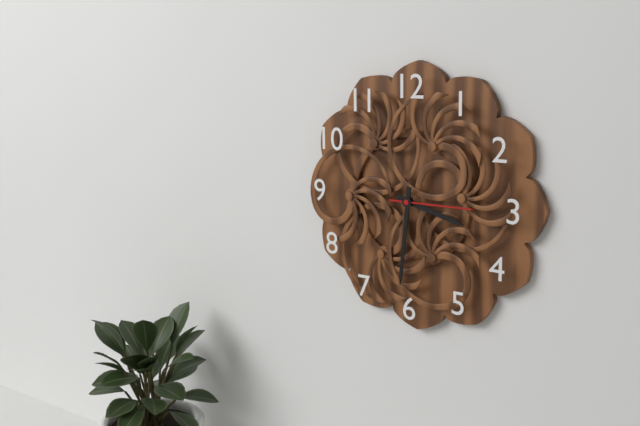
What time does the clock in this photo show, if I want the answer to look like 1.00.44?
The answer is 3.31.15
